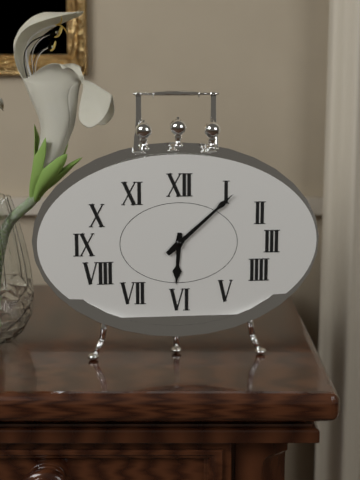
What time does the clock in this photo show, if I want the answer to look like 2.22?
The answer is 6.08
